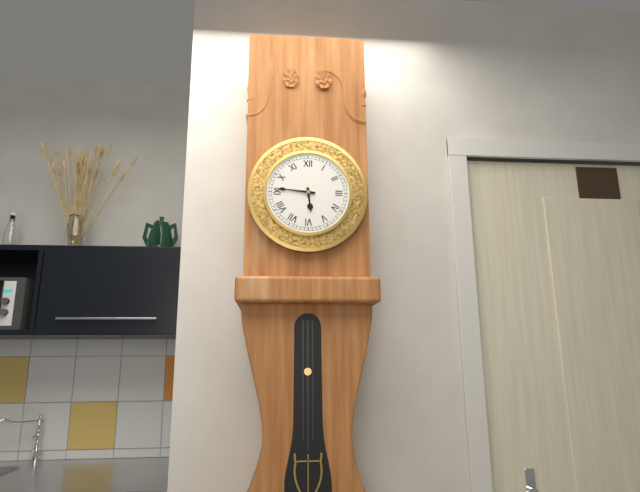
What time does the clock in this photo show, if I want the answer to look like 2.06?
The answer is 5.46
